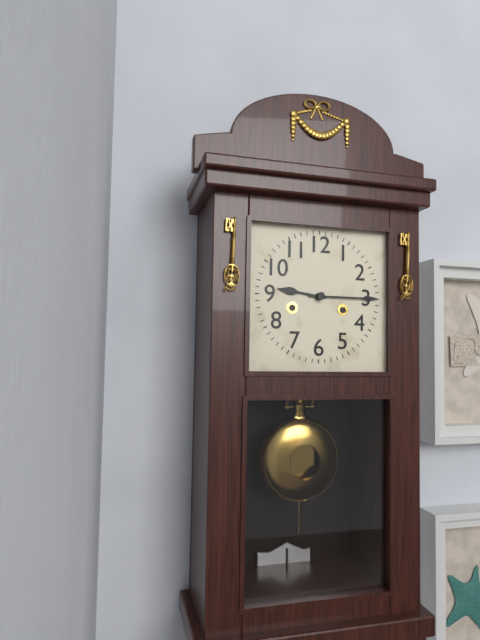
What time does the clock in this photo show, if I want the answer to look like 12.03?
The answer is 9.15
